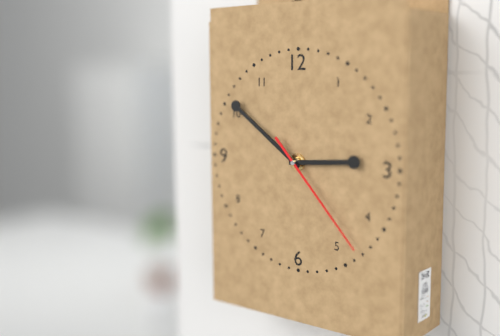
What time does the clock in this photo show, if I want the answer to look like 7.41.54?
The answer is 2.51.23
